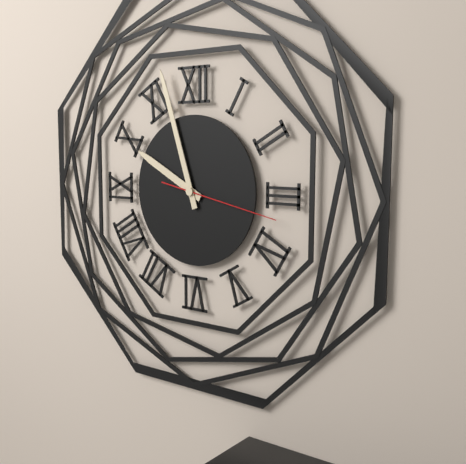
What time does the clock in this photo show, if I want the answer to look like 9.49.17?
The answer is 9.57.17
